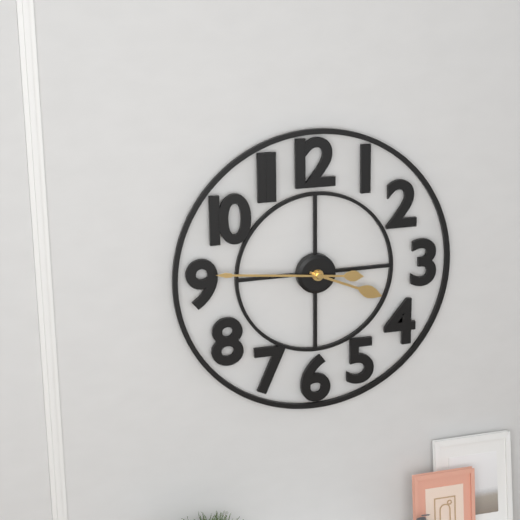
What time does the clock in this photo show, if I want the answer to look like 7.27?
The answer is 3.46
